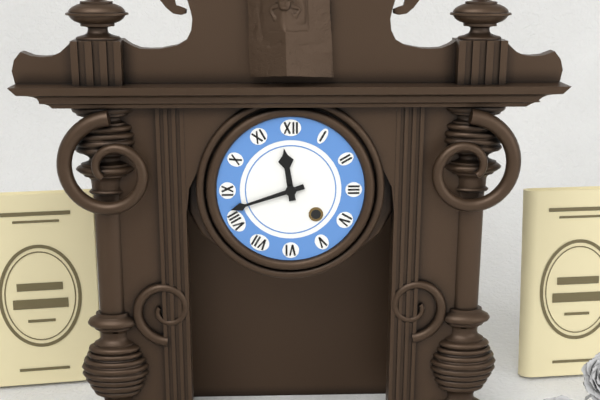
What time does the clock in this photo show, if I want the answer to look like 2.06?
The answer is 11.42
